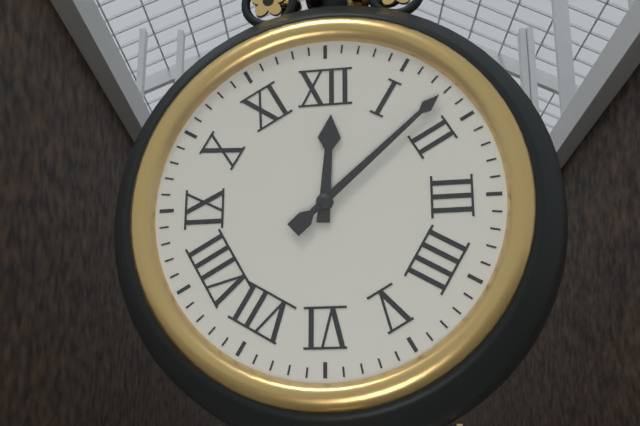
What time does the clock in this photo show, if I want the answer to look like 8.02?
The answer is 12.08
